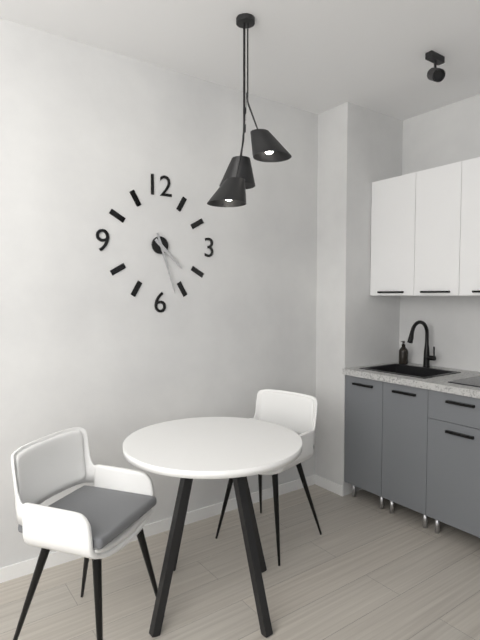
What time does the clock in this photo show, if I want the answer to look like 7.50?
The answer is 4.27
